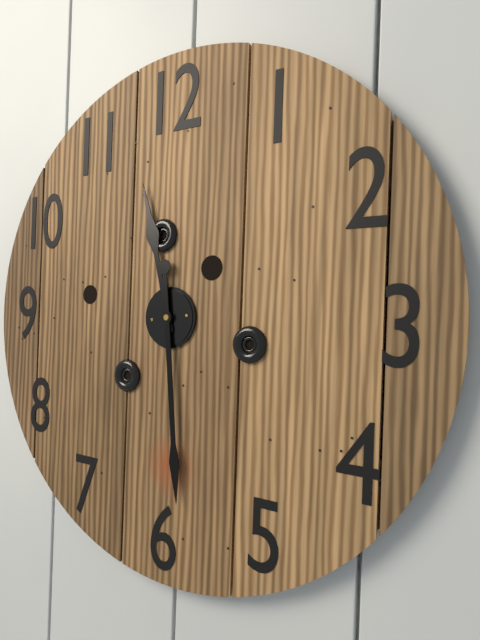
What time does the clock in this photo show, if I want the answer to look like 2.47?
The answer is 11.29
